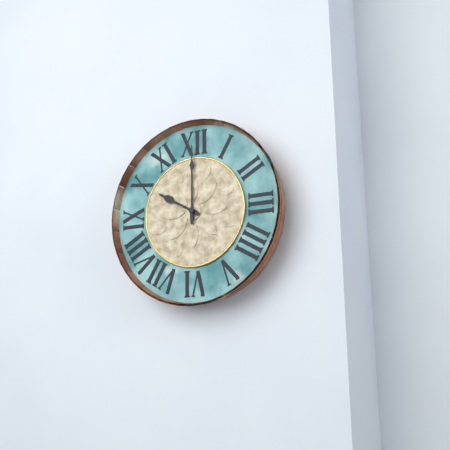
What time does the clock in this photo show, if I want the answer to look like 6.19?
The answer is 10.00
